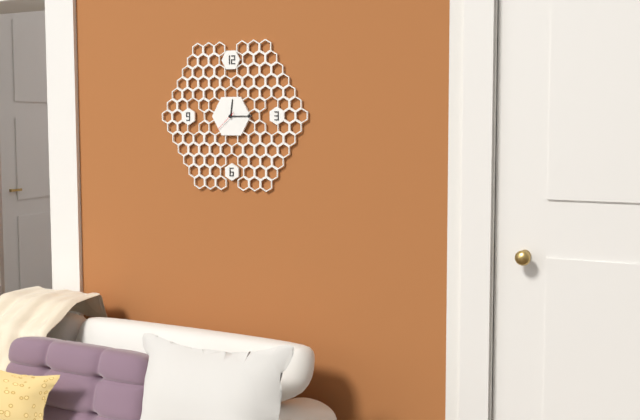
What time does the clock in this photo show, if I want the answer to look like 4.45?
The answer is 12.15
